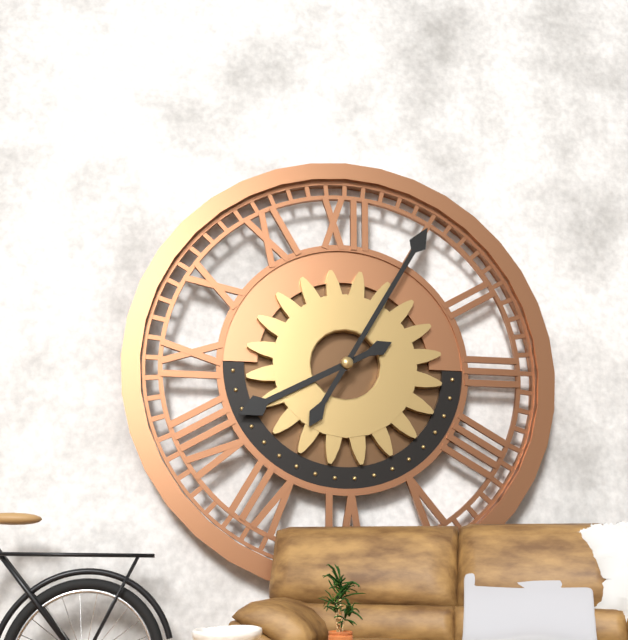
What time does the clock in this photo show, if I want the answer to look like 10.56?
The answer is 8.05
